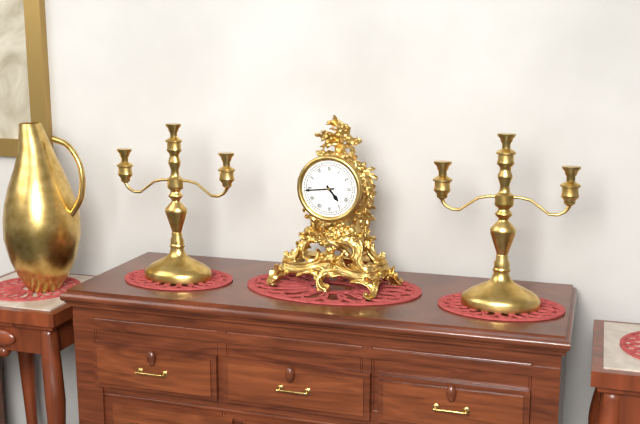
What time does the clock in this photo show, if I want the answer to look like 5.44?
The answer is 4.44
